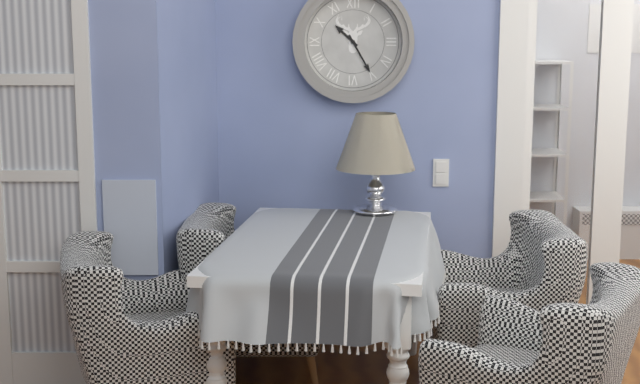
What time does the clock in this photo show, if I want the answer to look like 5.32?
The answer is 10.25
